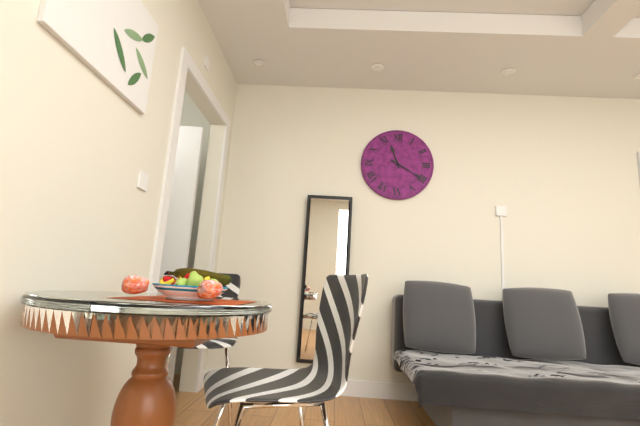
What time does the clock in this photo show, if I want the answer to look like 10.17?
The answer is 11.20
